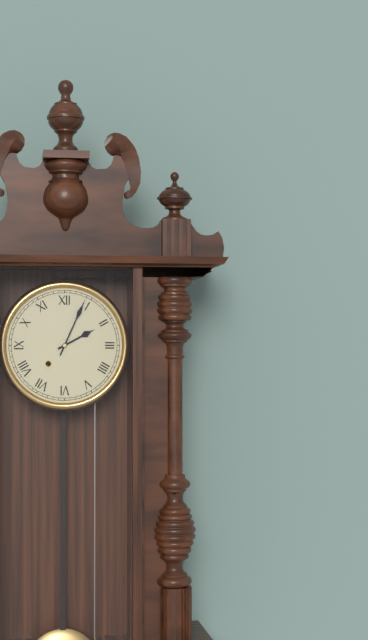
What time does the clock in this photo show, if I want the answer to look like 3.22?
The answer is 2.04
